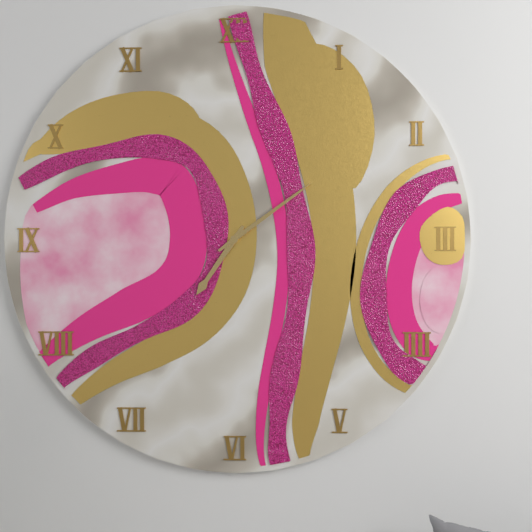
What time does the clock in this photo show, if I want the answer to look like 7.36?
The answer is 7.09
